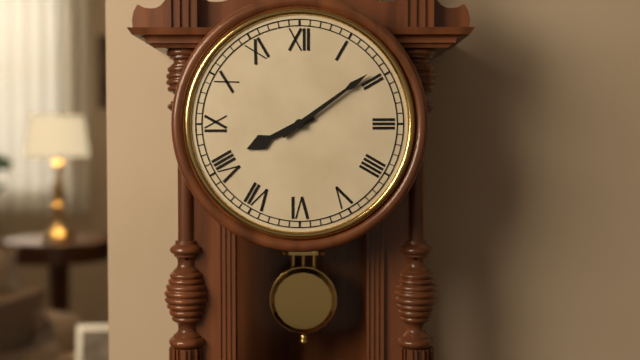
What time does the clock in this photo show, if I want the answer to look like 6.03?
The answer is 8.09
